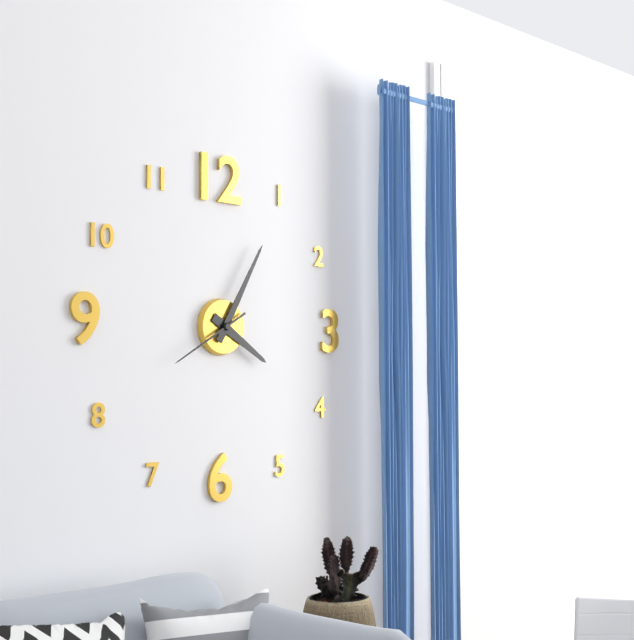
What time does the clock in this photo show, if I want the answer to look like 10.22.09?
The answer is 4.05.40
